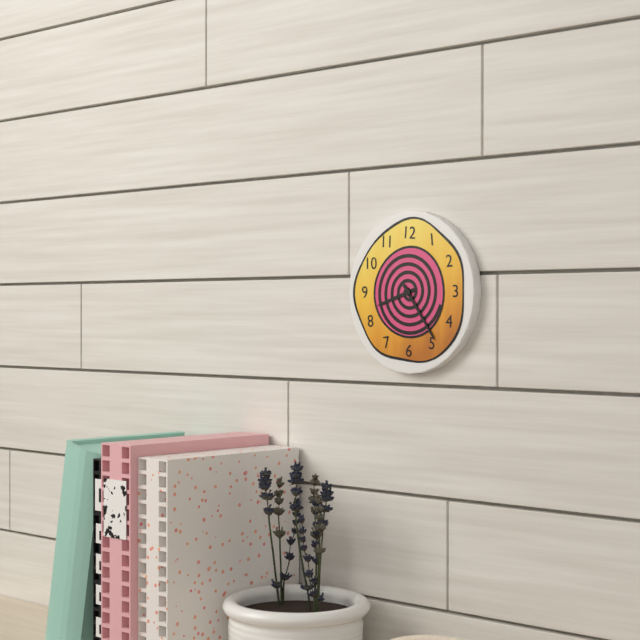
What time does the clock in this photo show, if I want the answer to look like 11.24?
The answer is 8.24
